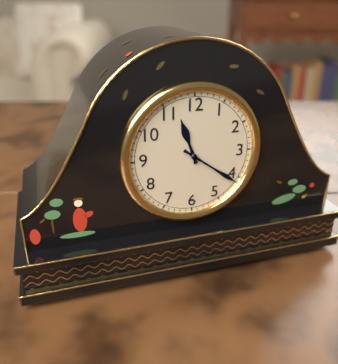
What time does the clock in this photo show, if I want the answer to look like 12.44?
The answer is 11.21
